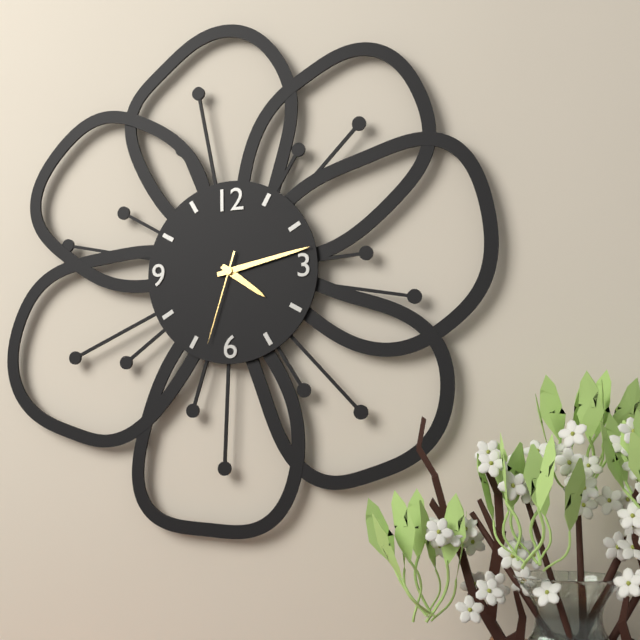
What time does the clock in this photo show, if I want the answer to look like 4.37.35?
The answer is 4.13.33
